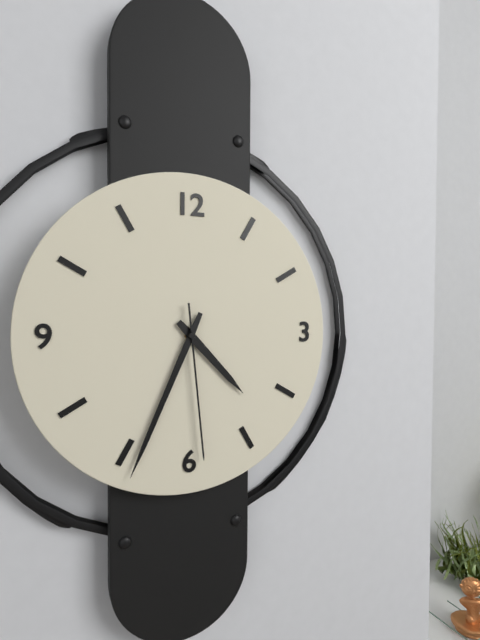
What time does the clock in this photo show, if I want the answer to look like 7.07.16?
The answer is 4.34.29
